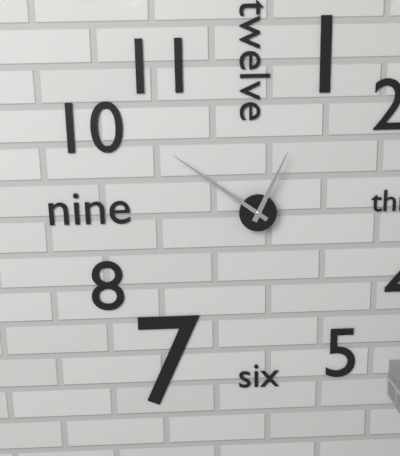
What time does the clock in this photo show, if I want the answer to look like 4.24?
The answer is 12.51
